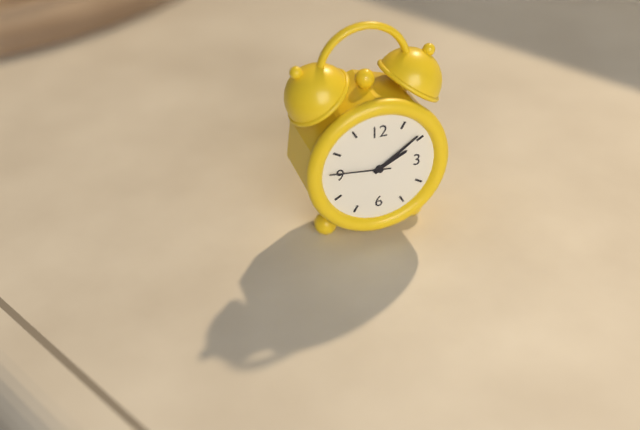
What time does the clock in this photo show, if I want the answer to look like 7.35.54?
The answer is 2.09.46
